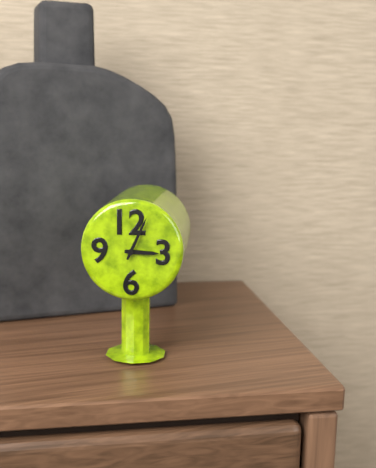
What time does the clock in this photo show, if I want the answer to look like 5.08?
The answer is 3.04
